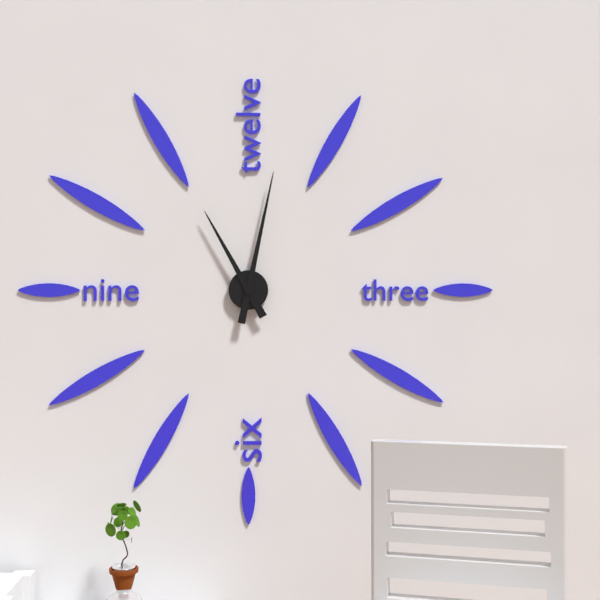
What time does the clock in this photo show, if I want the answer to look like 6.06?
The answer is 11.02
